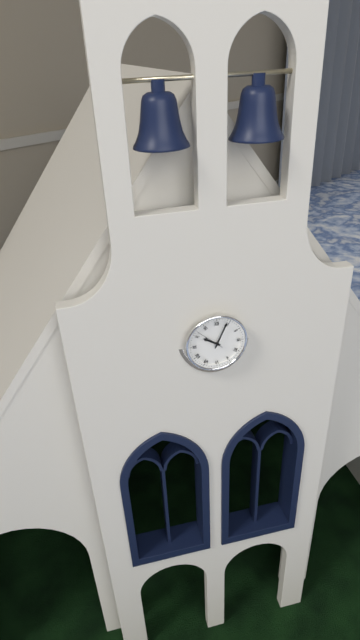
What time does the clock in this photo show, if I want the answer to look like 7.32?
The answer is 10.04
